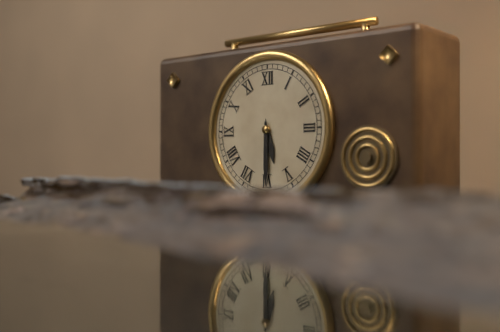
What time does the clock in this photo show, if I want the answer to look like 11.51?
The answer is 5.30
